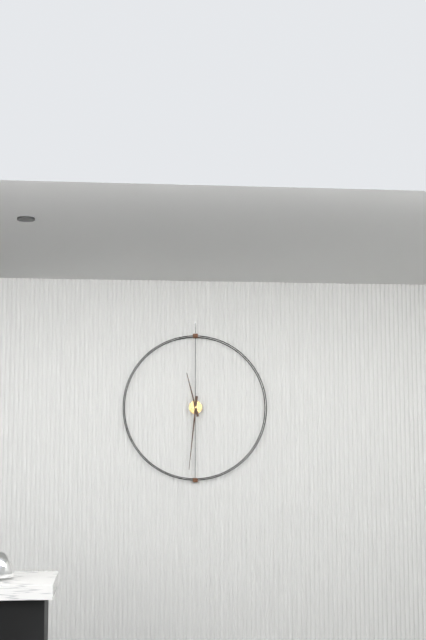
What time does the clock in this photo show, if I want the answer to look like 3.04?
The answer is 11.31
